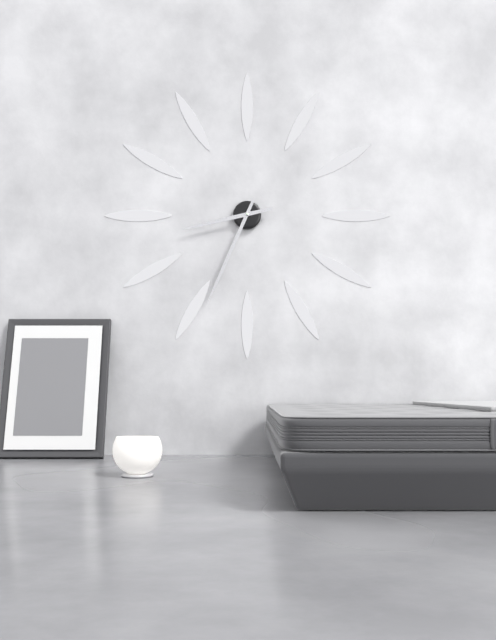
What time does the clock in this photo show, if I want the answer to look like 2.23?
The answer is 8.34
